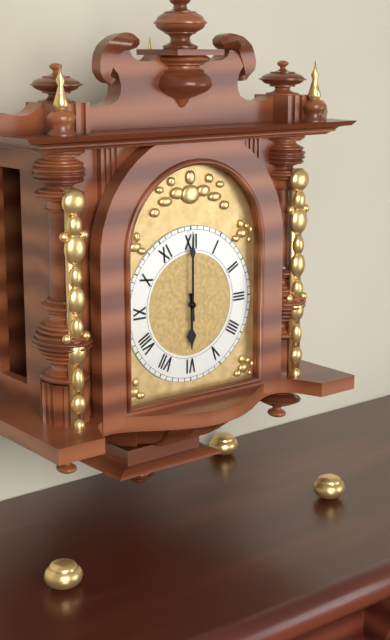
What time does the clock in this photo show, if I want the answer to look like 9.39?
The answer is 6.00
